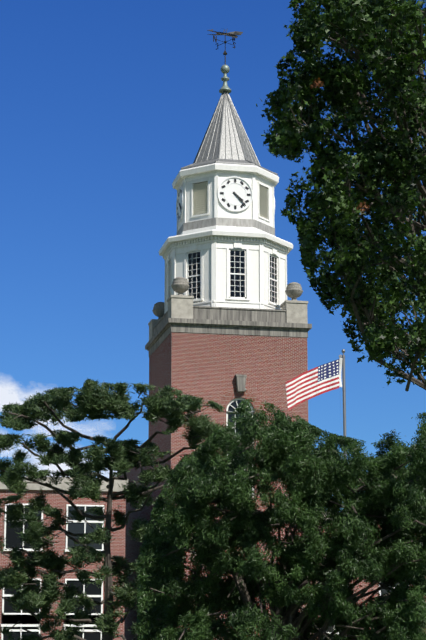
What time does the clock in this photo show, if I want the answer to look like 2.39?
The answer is 4.23
